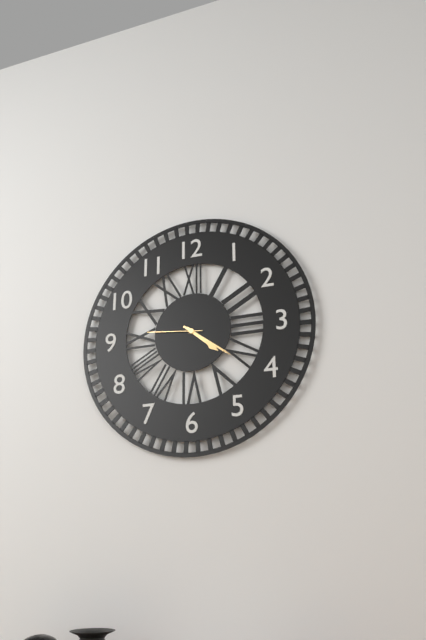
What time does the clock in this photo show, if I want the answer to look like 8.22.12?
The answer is 4.21.46
